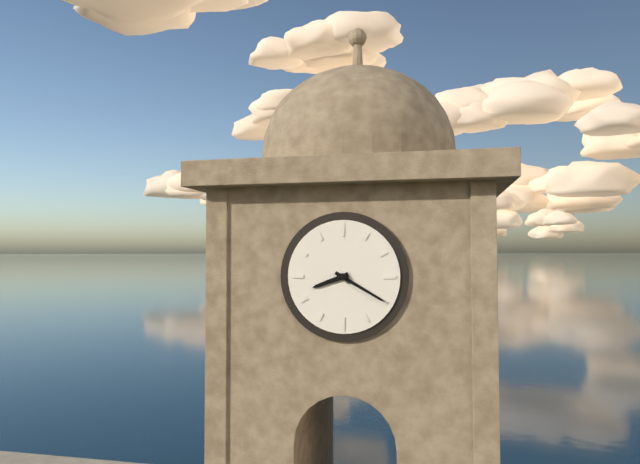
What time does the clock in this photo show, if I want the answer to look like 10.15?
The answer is 8.20
